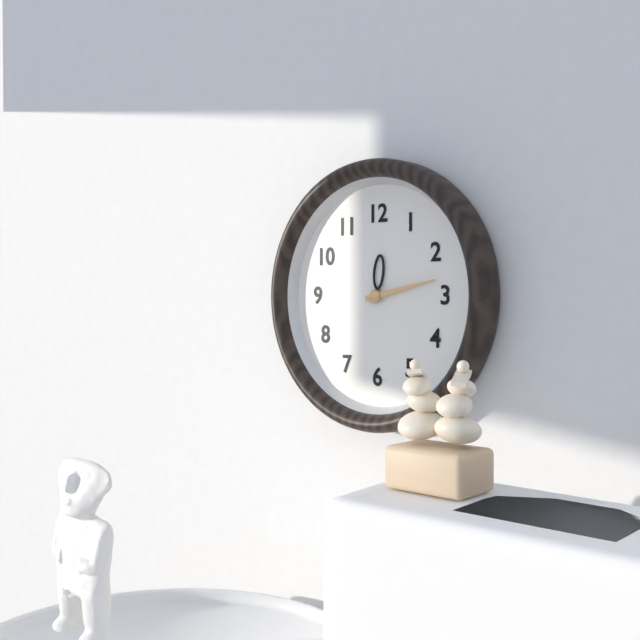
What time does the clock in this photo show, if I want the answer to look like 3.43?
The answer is 12.13
